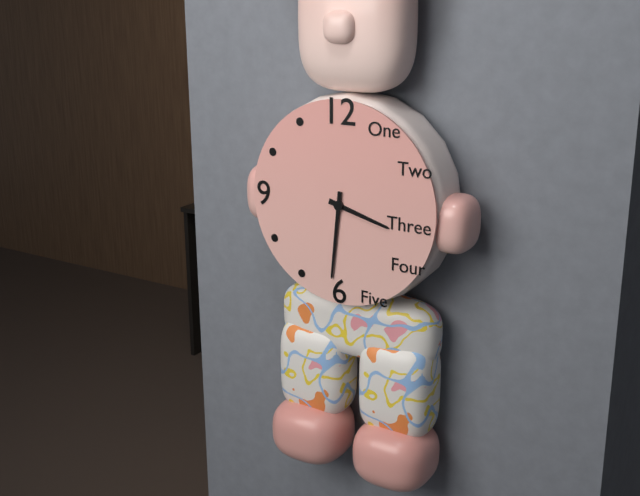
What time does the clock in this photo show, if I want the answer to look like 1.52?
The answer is 3.31
